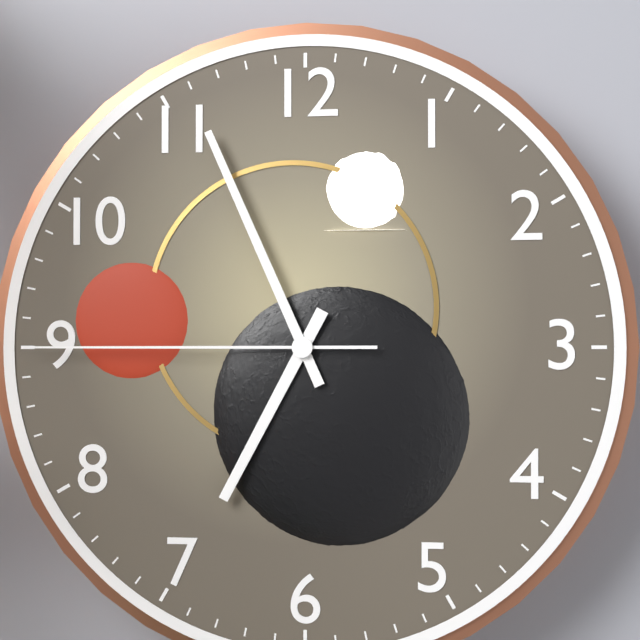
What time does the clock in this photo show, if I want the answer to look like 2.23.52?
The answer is 6.56.45
